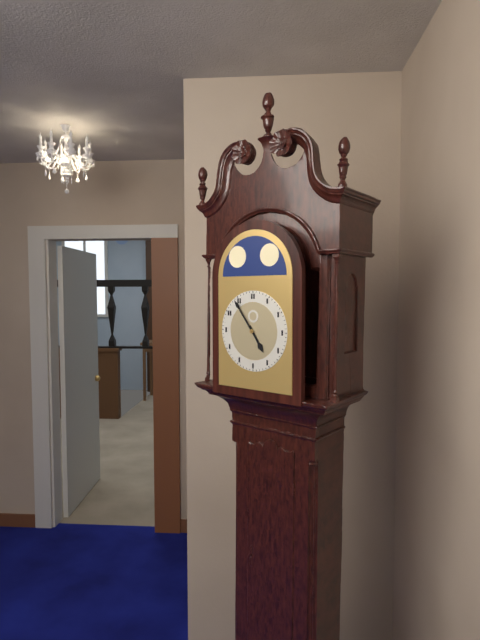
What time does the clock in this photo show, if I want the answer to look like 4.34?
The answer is 4.54
